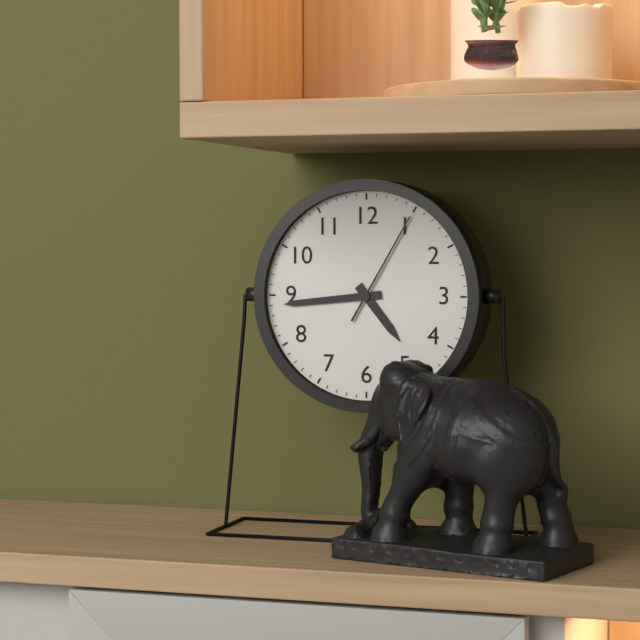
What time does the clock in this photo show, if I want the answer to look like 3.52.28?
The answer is 4.44.05
